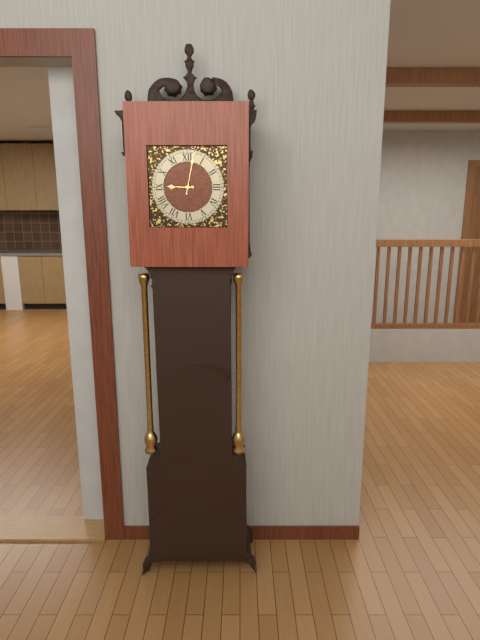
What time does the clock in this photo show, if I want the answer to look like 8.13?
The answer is 9.02
